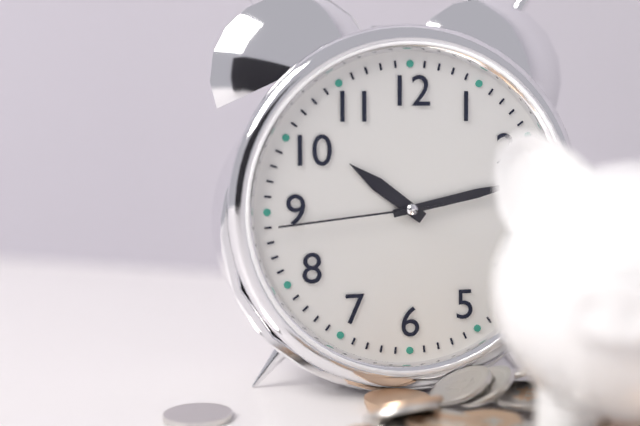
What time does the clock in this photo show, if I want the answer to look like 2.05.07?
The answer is 10.13.44
